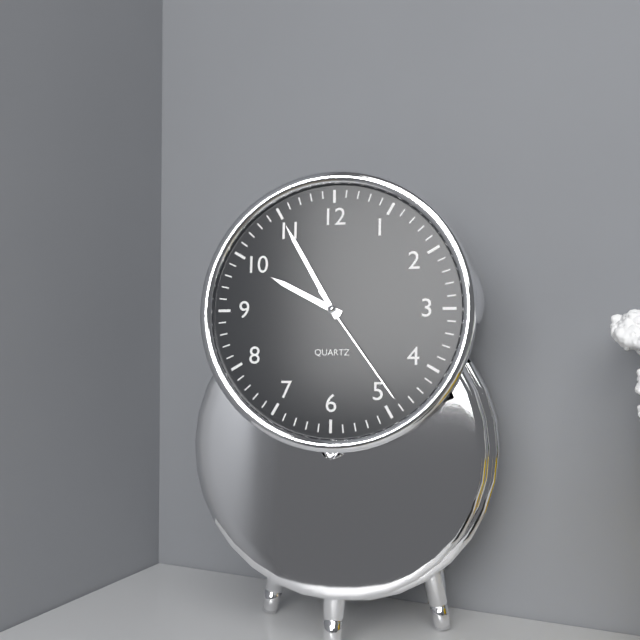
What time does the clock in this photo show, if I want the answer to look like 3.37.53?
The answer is 9.55.24
